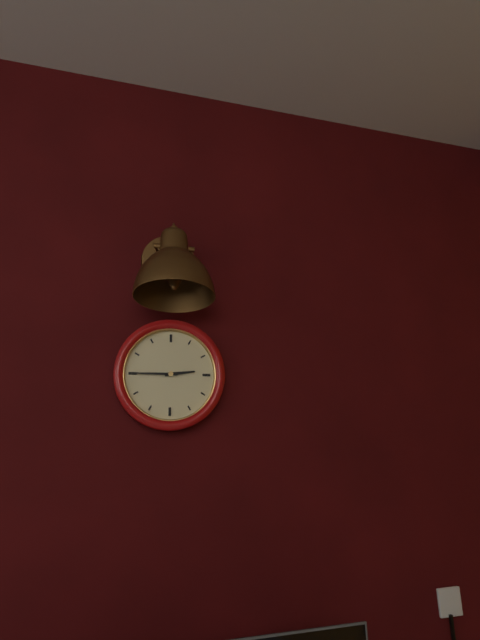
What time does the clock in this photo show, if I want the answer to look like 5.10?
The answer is 2.45
